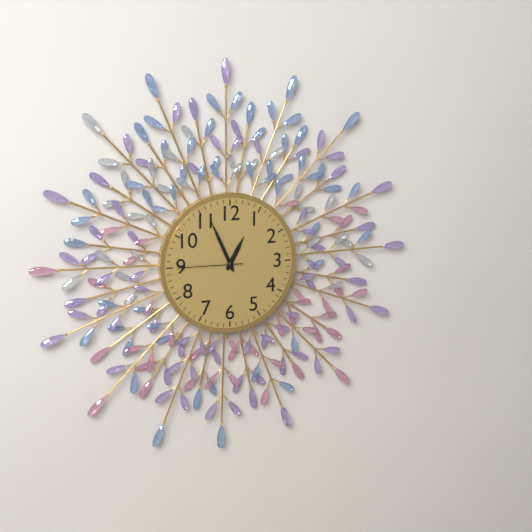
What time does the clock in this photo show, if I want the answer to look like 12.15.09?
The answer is 12.56.45
